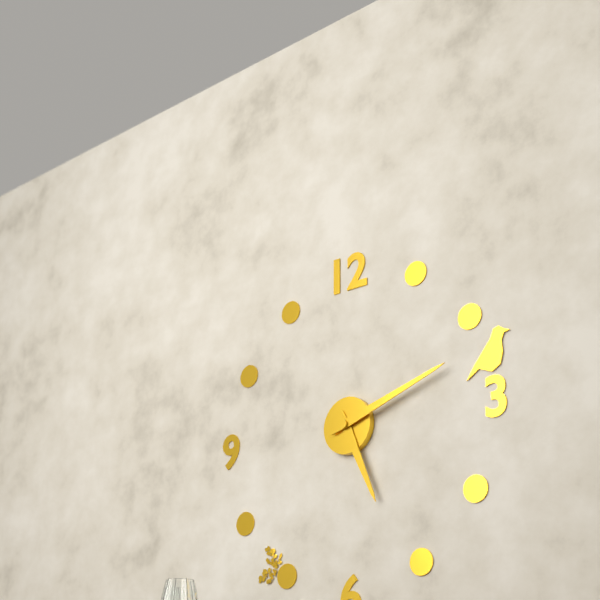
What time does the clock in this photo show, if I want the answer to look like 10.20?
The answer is 5.12
